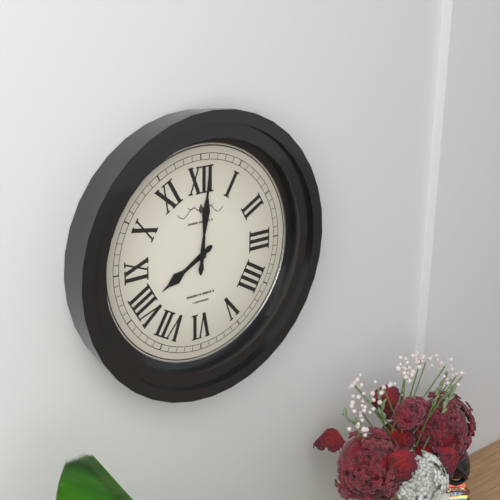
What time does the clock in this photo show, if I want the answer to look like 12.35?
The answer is 8.01
